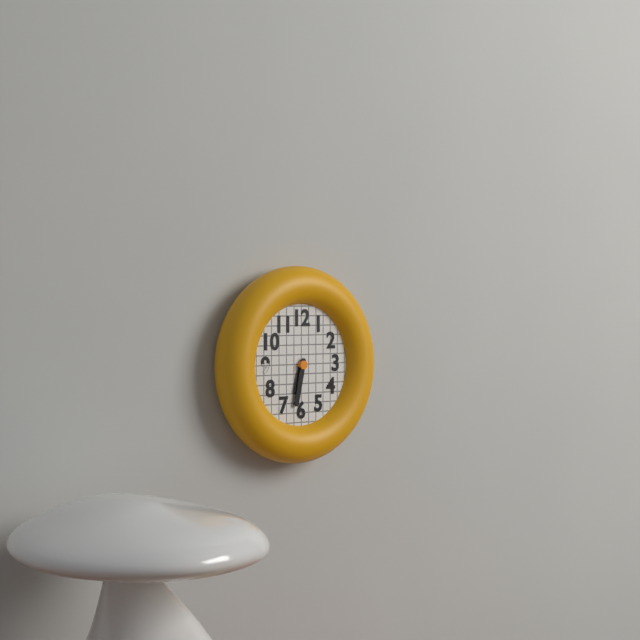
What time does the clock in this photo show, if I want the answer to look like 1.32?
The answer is 6.32
